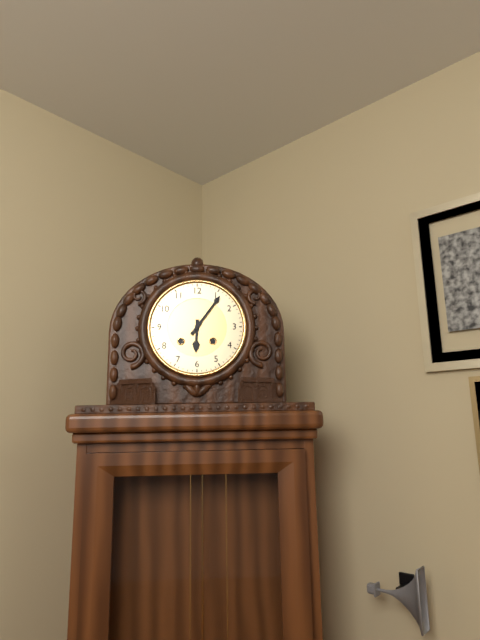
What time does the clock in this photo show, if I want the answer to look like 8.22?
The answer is 6.06
